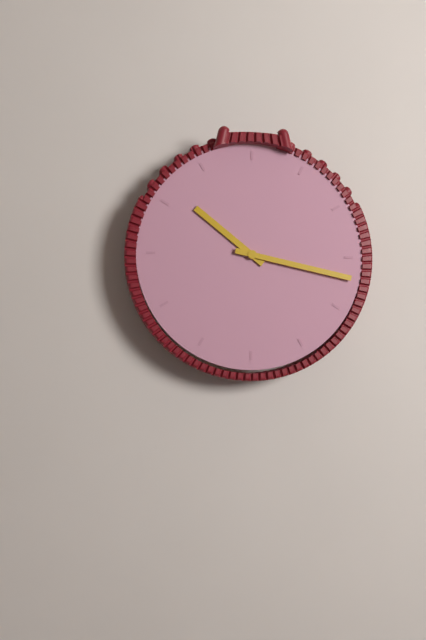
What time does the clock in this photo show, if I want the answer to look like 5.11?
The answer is 10.17
